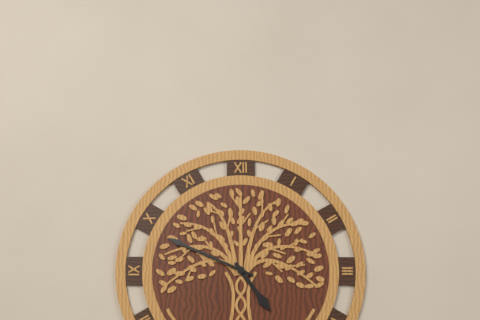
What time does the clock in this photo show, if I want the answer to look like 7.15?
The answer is 4.49
